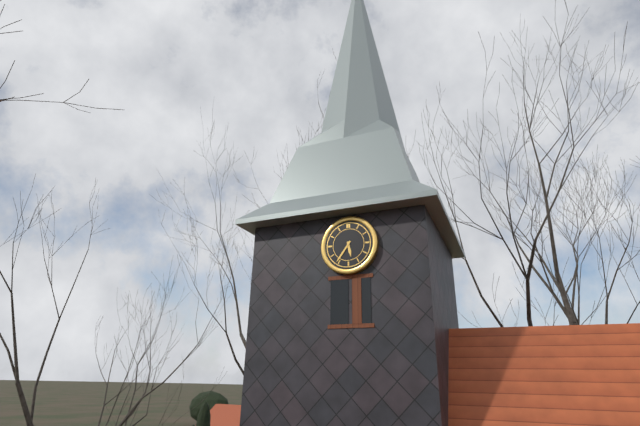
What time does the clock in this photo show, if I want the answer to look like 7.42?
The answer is 5.36
